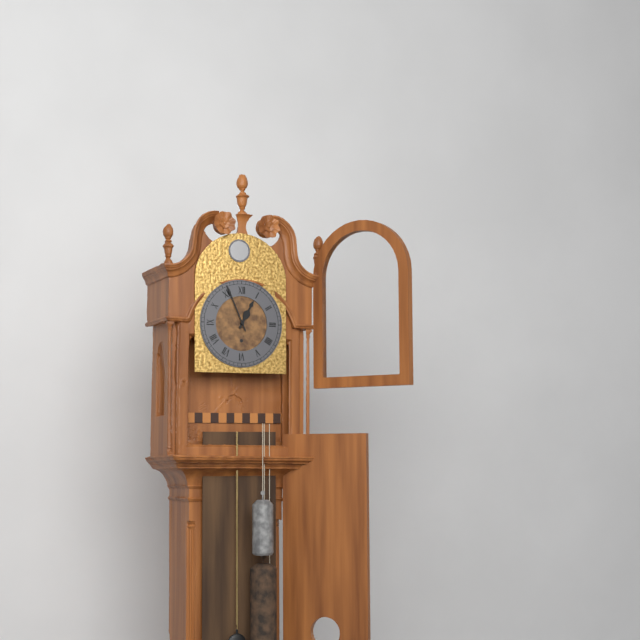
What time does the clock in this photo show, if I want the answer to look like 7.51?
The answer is 12.56
